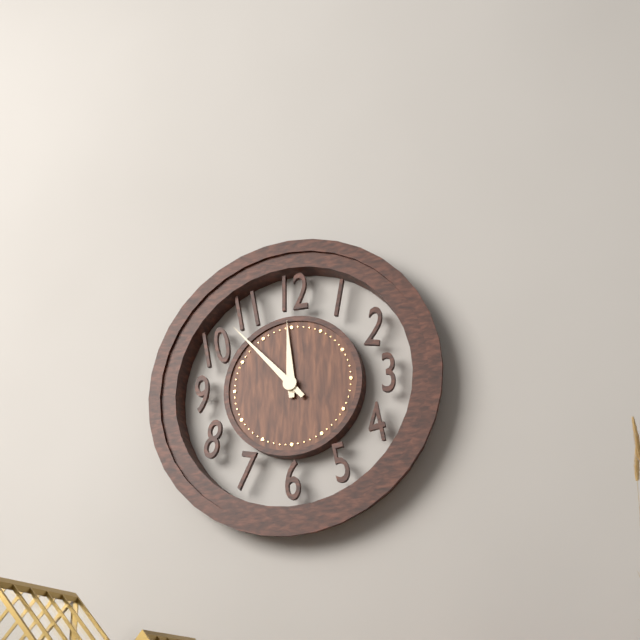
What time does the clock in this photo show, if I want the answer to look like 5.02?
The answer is 11.53
